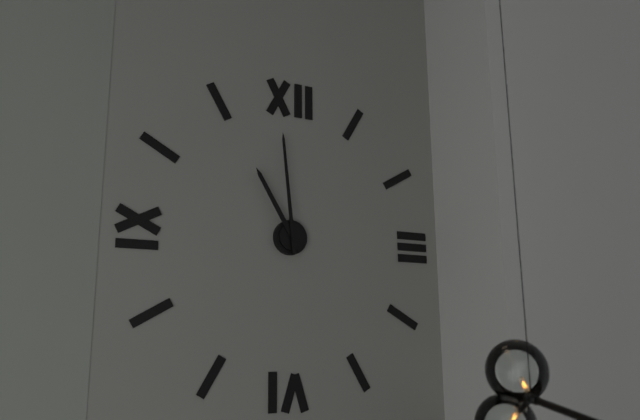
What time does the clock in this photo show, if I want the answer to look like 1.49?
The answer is 10.59
